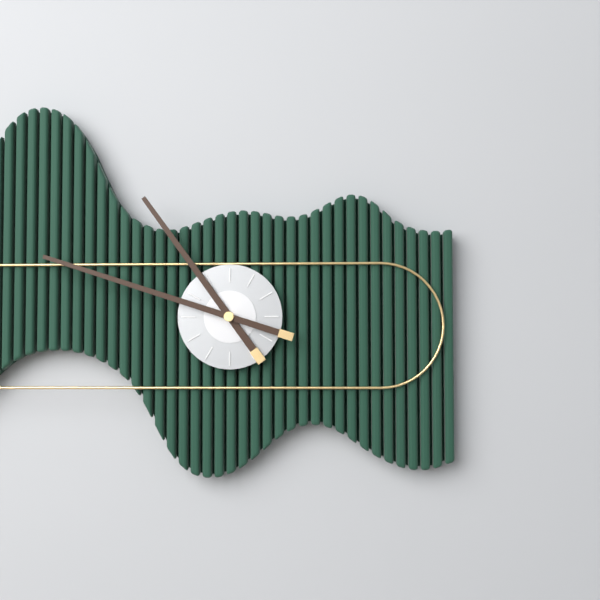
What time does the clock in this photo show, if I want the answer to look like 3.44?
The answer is 10.48
